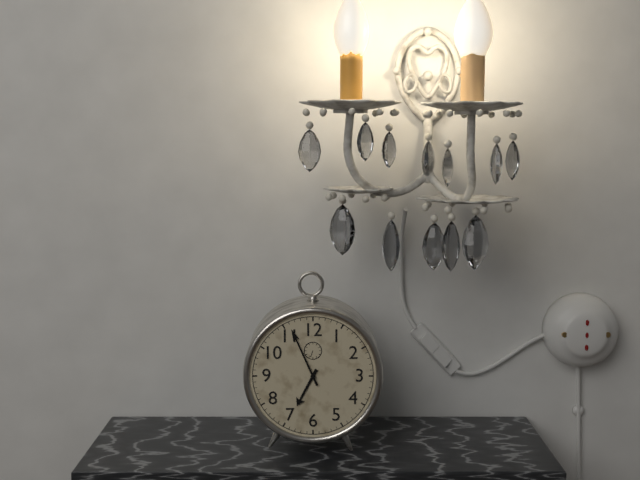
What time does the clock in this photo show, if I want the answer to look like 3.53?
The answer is 6.56
